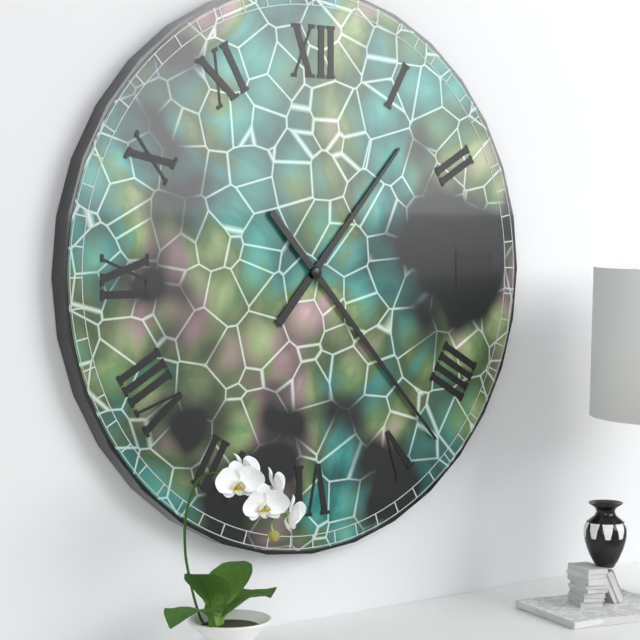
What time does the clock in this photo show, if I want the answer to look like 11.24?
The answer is 1.23
